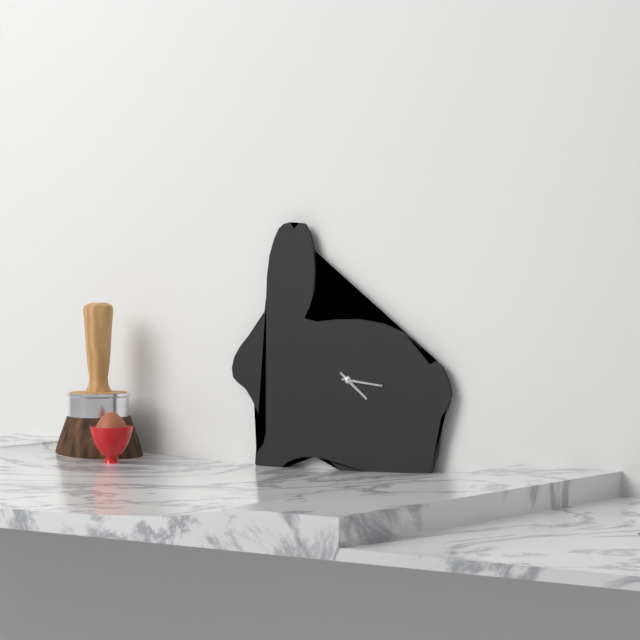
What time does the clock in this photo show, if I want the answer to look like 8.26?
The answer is 4.16
